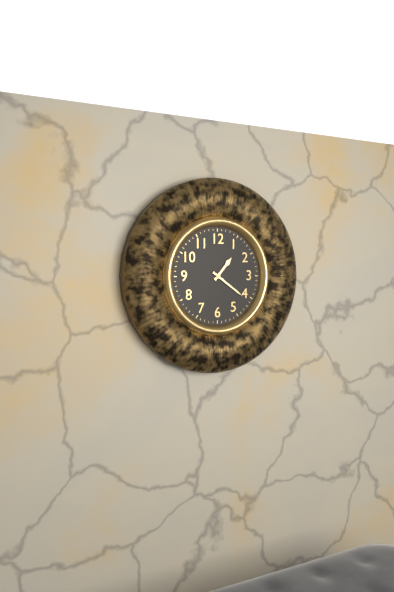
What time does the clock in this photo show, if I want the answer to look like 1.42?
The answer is 1.21
